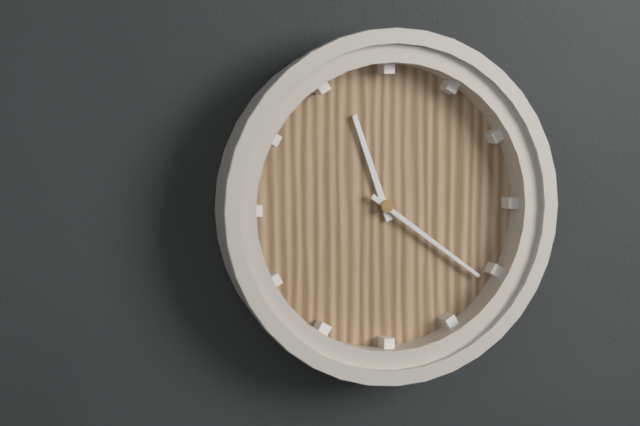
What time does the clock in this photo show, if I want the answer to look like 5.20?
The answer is 11.21
